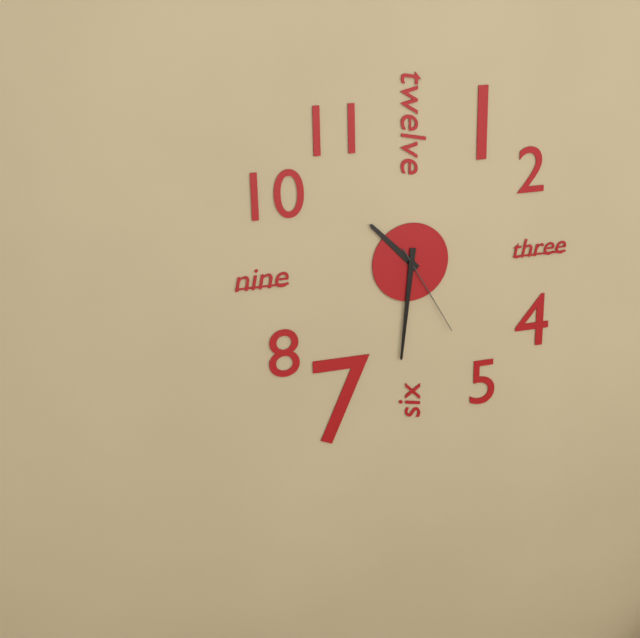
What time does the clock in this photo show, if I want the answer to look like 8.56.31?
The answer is 10.31.25
